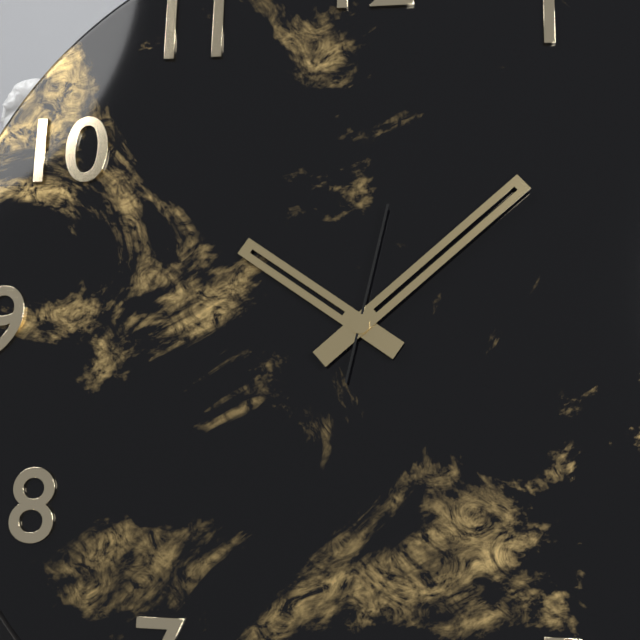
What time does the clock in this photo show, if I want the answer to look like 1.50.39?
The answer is 10.08.02
